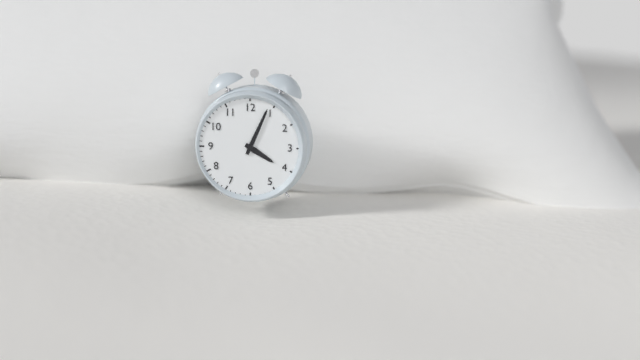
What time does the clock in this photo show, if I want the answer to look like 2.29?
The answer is 4.04
